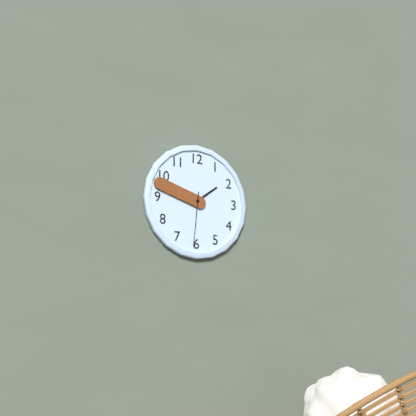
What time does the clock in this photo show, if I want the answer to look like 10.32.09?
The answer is 1.48.31
